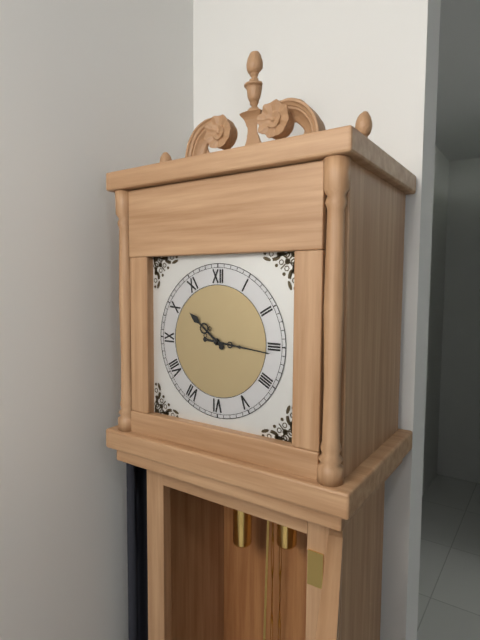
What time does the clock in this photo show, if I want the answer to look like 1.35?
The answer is 10.16
